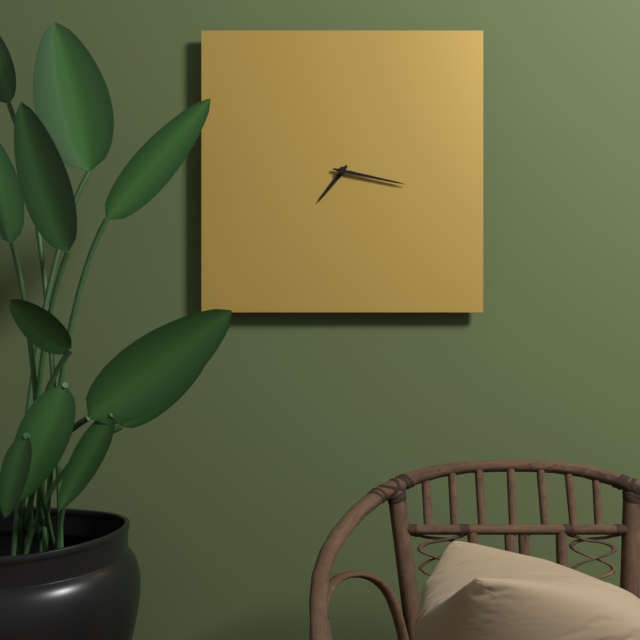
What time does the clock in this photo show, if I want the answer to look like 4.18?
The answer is 7.17
